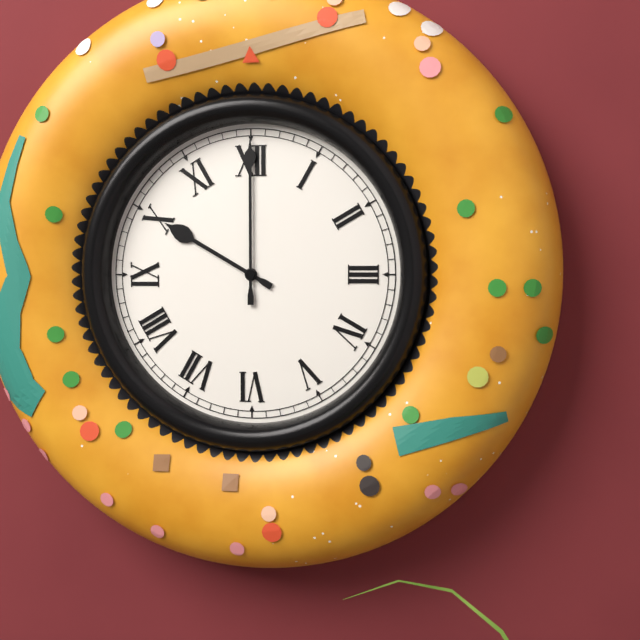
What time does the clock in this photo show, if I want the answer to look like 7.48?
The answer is 10.00
